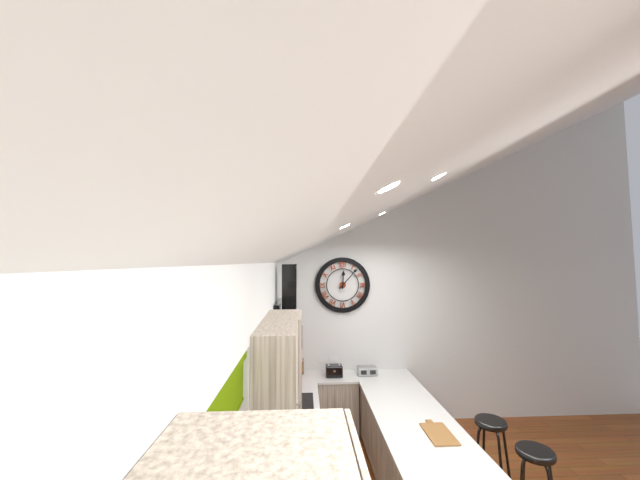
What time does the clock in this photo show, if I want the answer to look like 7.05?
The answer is 12.07
